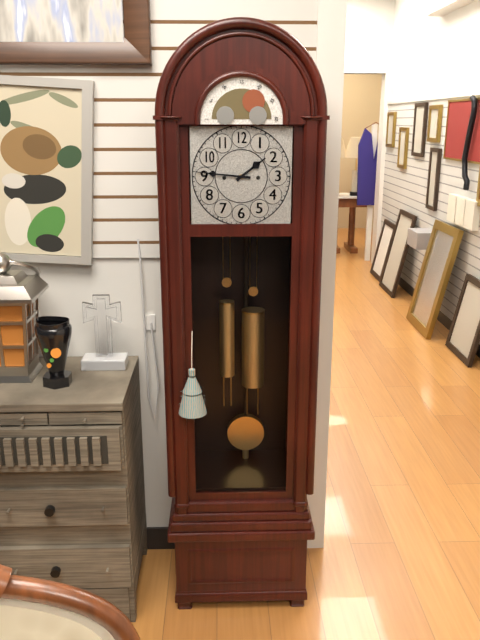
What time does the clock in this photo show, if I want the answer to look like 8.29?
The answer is 1.46
